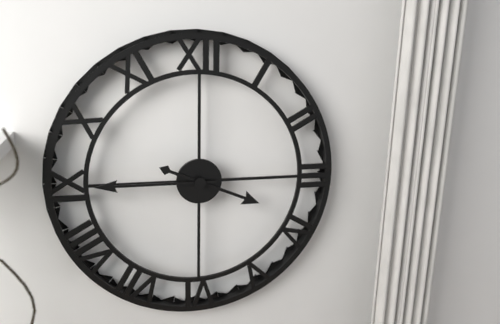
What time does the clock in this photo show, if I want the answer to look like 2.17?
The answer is 3.45
